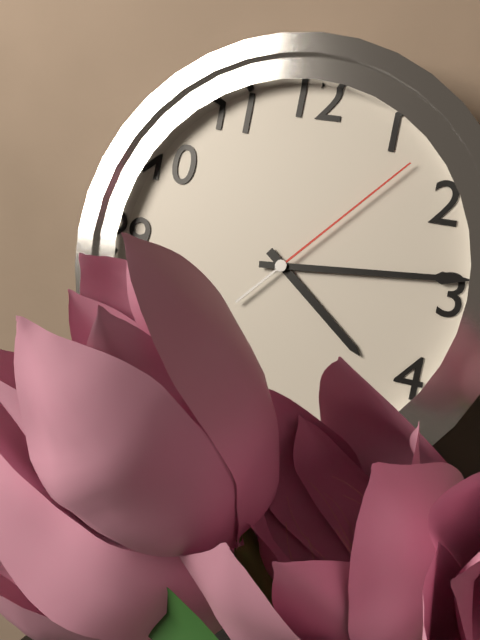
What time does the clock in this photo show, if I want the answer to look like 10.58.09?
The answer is 4.14.07
